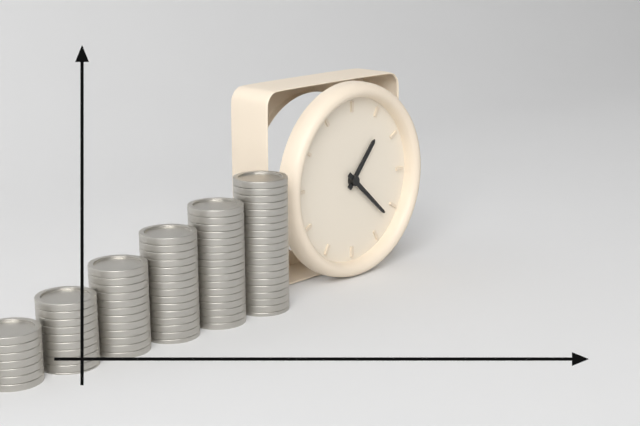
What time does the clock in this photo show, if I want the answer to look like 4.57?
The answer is 1.22
